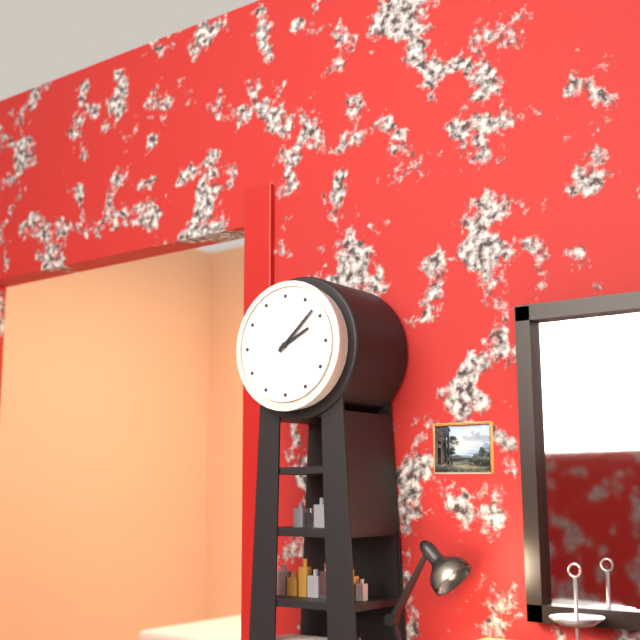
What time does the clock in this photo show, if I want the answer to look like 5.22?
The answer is 2.08
